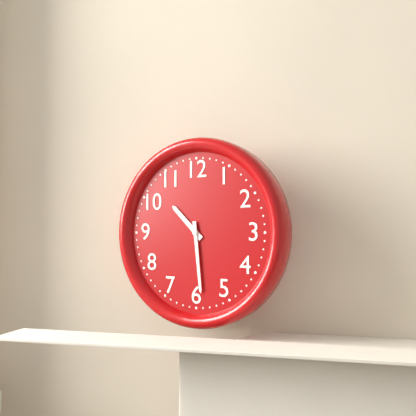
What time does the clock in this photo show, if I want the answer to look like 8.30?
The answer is 10.29
